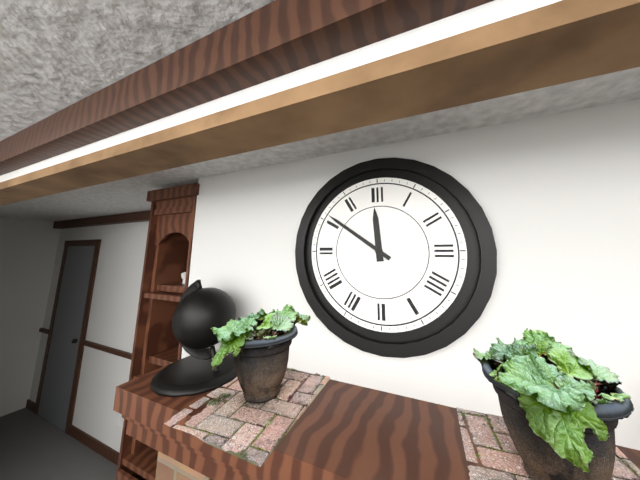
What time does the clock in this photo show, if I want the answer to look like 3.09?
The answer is 11.51
